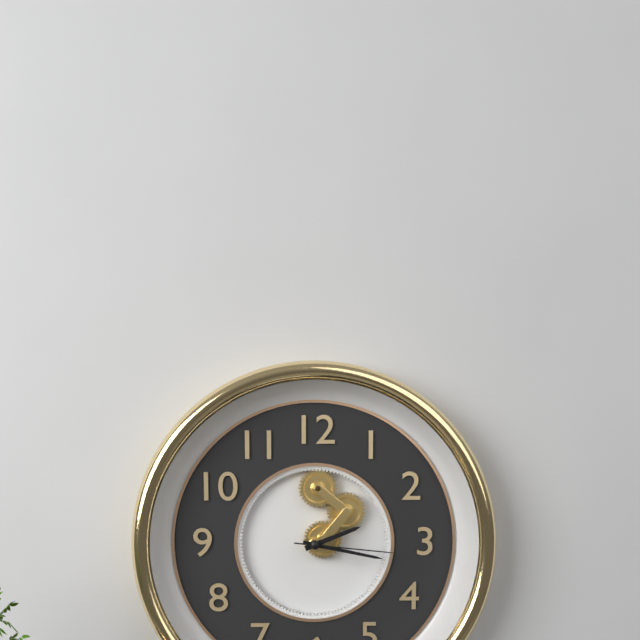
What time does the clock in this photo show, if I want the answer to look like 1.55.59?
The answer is 2.17.16
